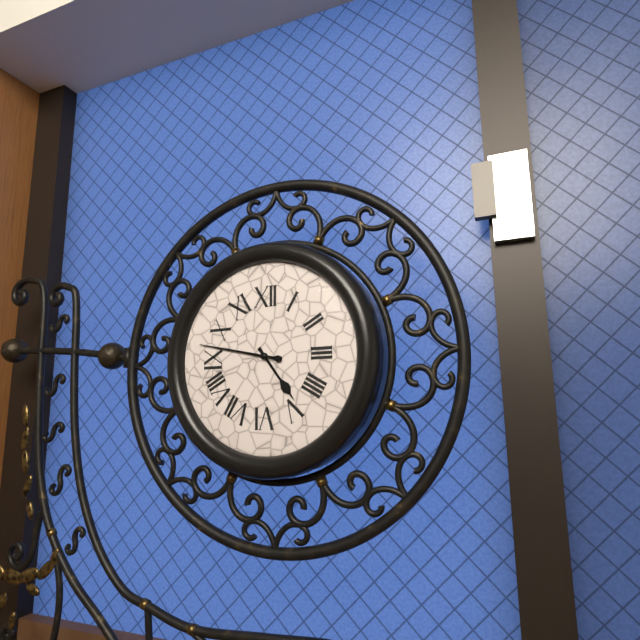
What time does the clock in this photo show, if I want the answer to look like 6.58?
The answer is 4.47
